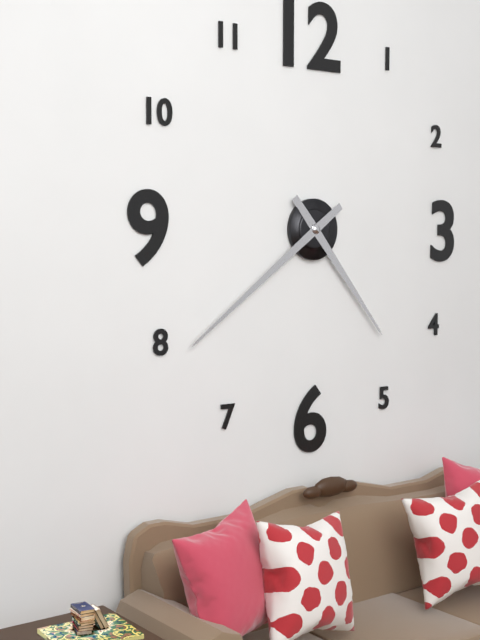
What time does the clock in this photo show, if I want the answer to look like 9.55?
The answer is 4.39
